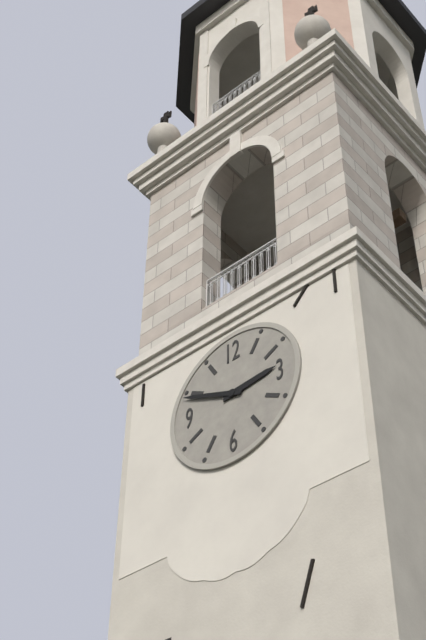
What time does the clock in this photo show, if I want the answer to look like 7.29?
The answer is 2.49
